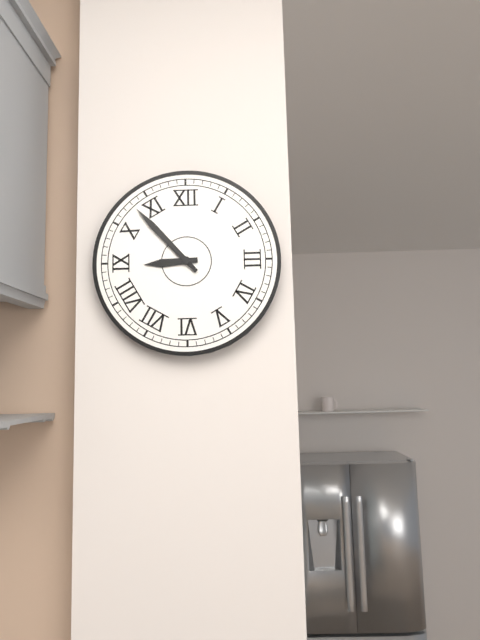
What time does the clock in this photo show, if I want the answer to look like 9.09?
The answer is 8.53
